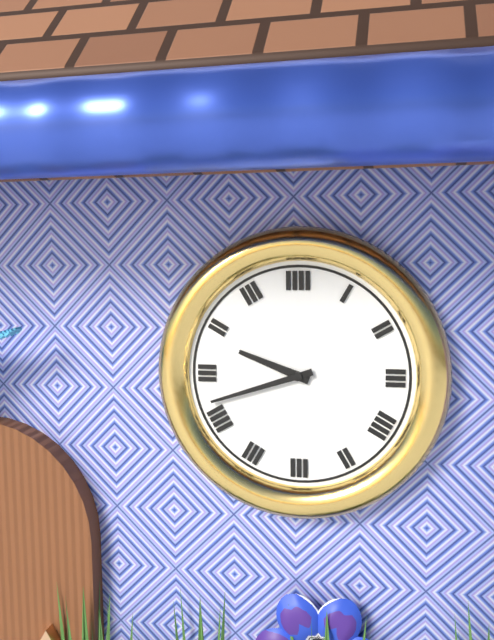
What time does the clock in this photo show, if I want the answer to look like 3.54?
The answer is 9.42
